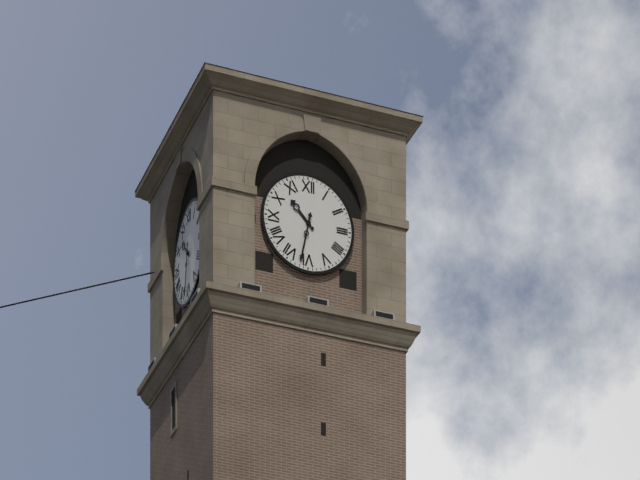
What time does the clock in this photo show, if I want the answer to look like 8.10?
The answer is 10.32
